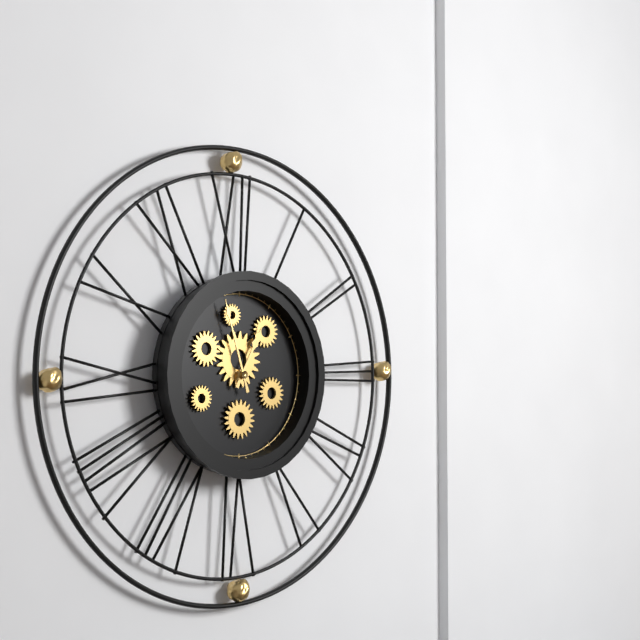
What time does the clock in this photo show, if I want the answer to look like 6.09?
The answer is 12.57
